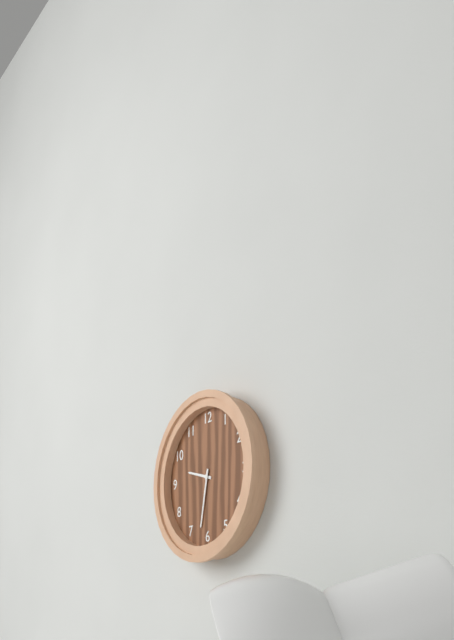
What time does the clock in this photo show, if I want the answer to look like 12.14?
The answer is 9.32
